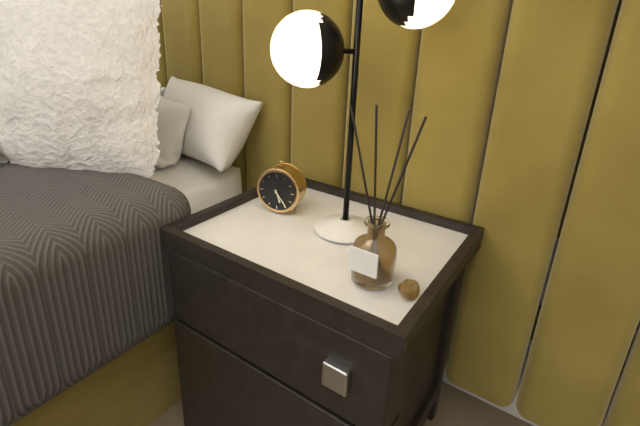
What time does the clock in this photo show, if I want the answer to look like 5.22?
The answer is 5.24
